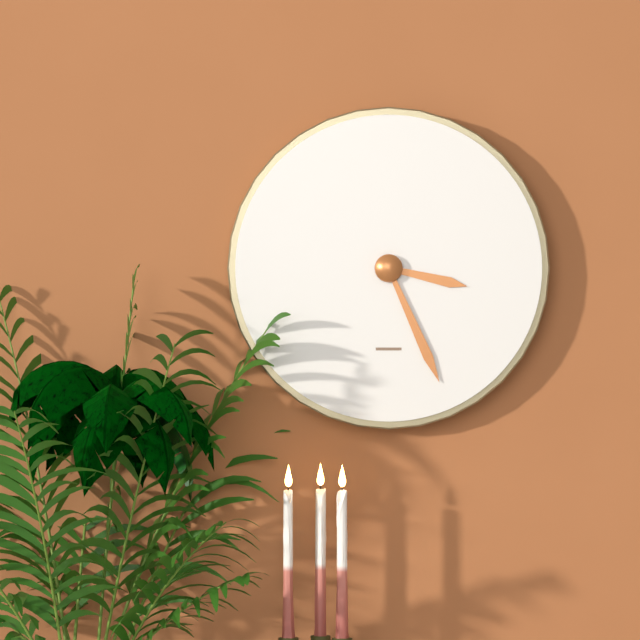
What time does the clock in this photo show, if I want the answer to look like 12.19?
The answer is 3.26
